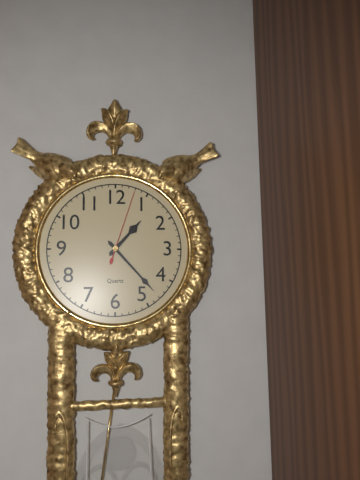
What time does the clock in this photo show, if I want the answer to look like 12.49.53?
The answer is 1.23.03
